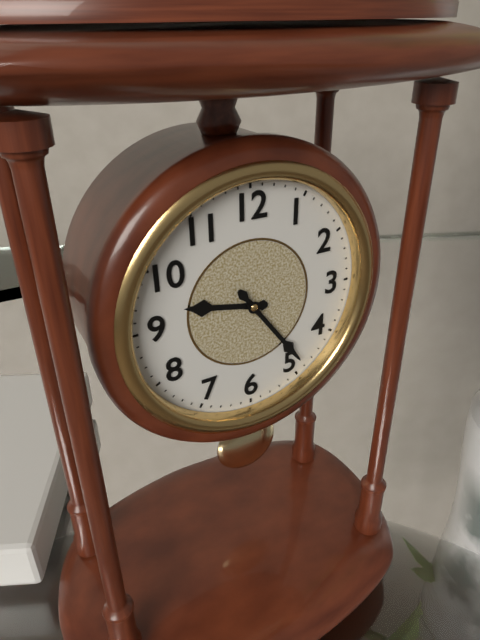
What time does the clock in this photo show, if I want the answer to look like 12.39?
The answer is 9.24
